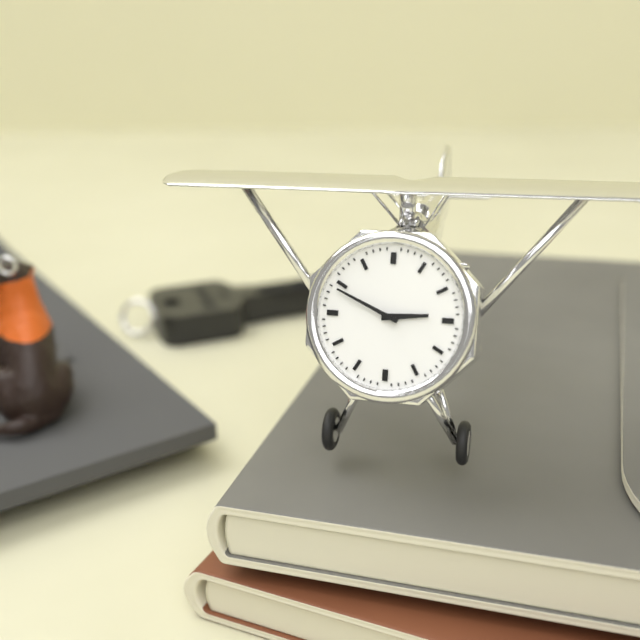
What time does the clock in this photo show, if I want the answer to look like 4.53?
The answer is 2.49
